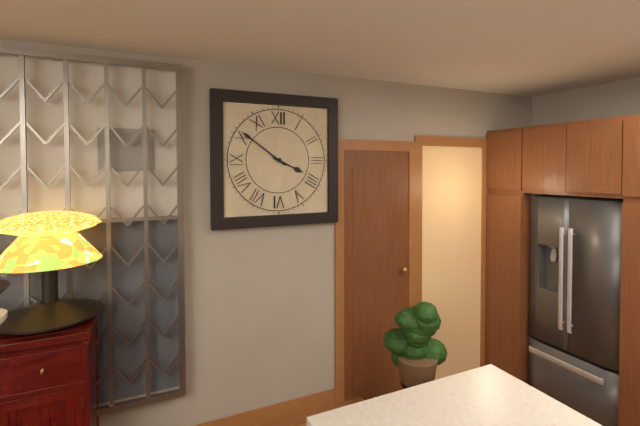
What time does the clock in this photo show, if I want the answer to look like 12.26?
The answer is 3.51
